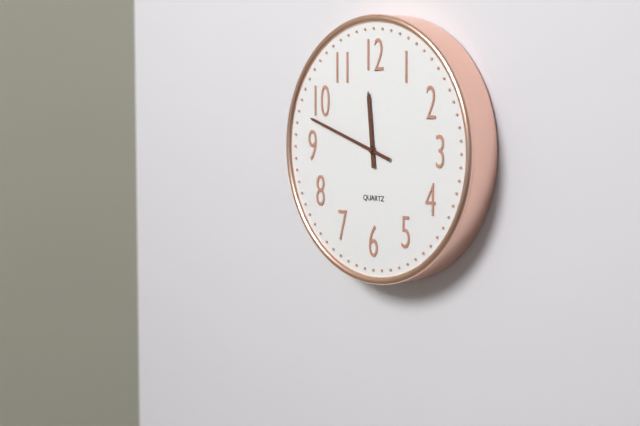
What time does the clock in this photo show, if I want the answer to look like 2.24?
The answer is 11.48
